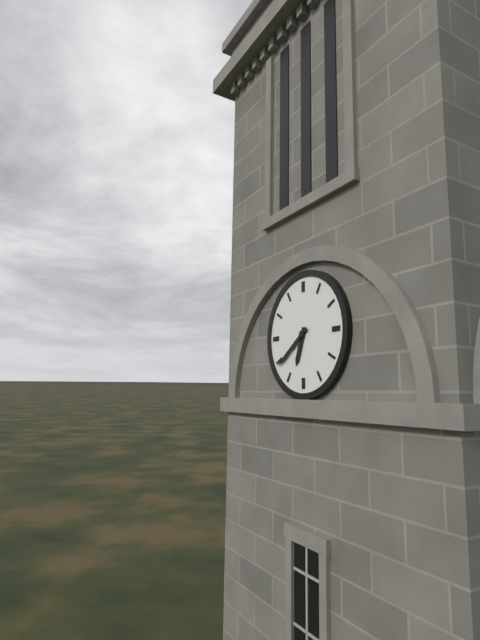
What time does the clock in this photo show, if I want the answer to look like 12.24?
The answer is 6.39
